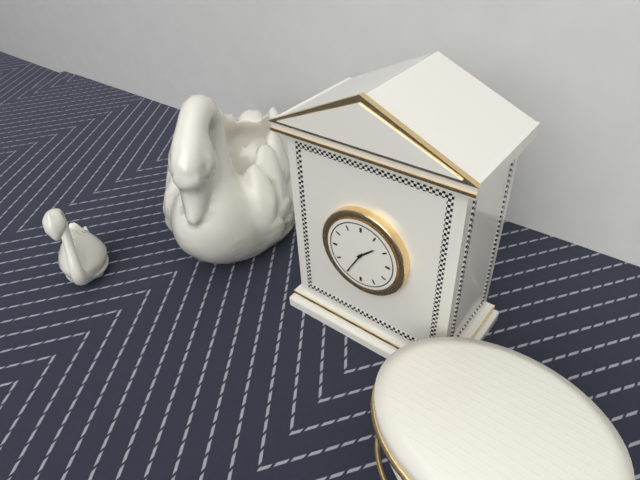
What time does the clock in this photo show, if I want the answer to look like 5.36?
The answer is 1.35
